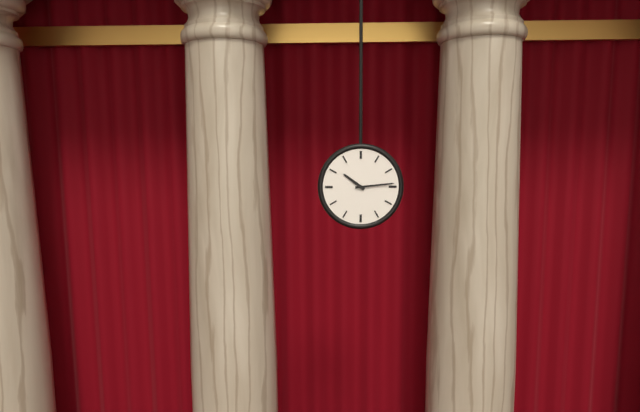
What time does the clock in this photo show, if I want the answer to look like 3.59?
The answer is 10.14
